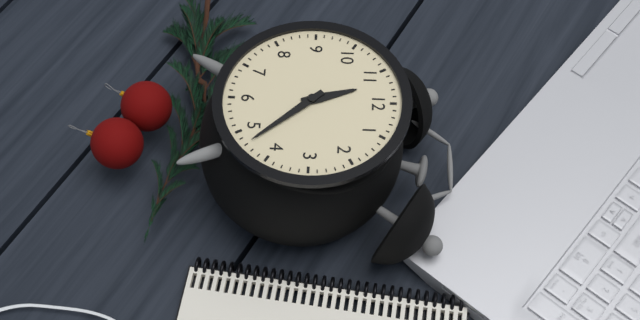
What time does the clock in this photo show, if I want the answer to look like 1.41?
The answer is 11.23
